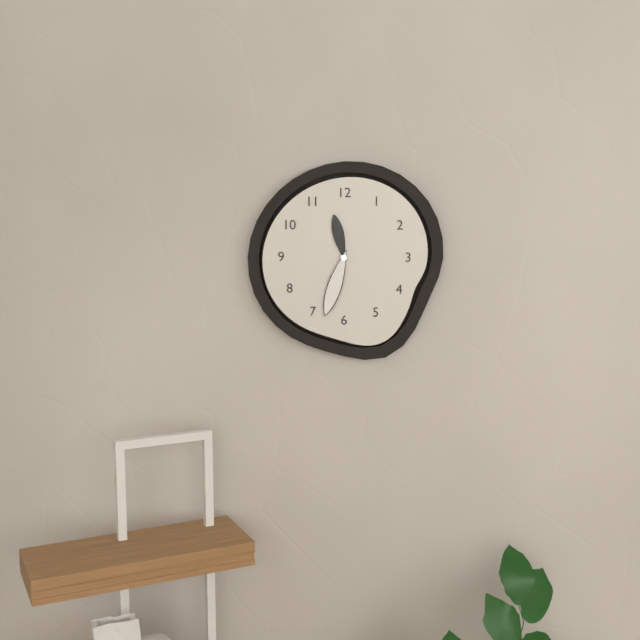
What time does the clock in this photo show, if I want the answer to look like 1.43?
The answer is 11.33
